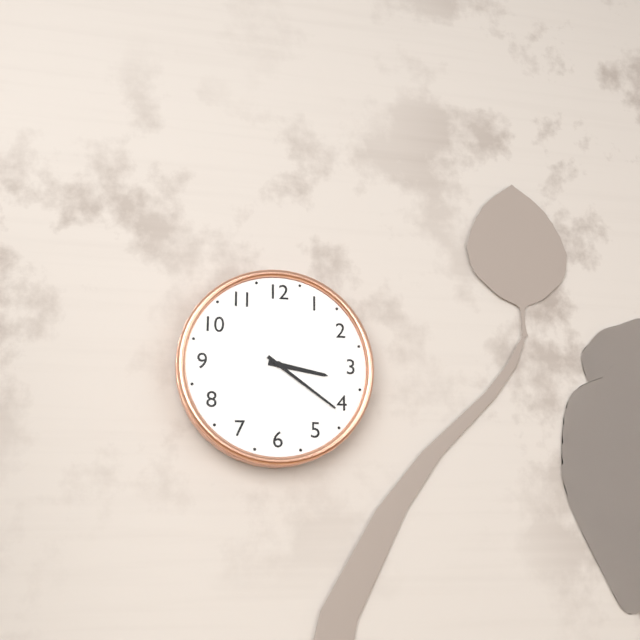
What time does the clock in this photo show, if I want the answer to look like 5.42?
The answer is 3.21
